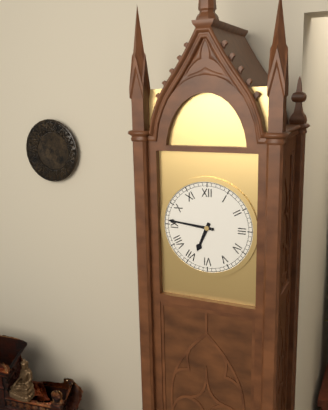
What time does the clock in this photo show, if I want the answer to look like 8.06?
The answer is 6.46
